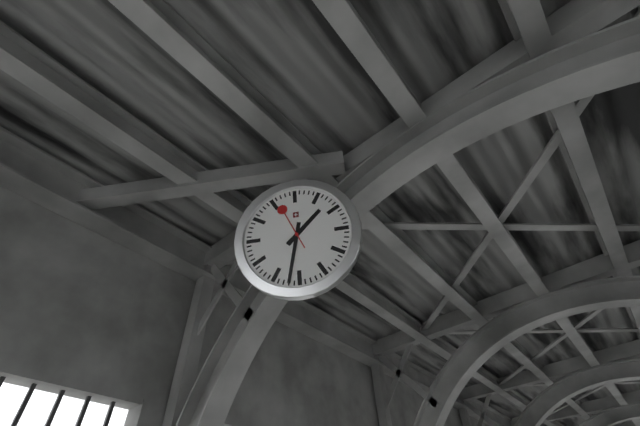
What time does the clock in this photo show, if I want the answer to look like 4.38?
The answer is 1.32
